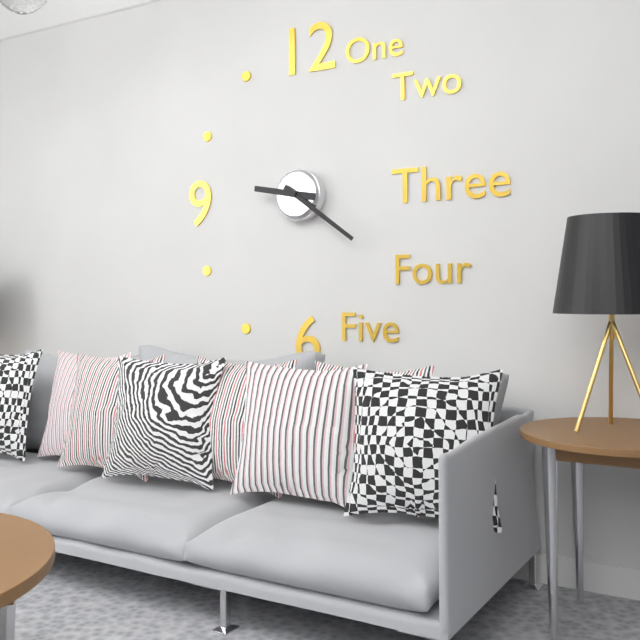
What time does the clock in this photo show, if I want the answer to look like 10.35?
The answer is 9.21
